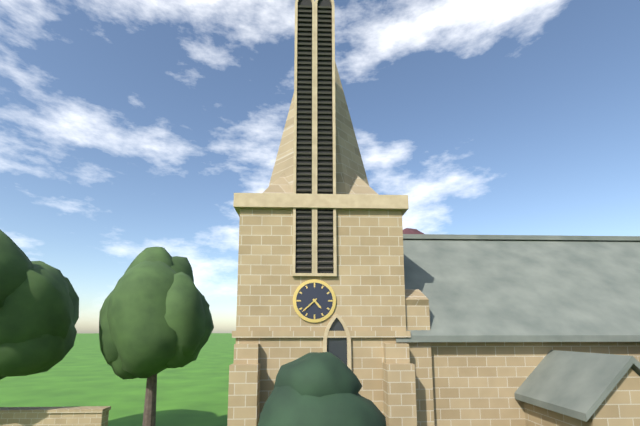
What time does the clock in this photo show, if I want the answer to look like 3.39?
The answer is 4.38
